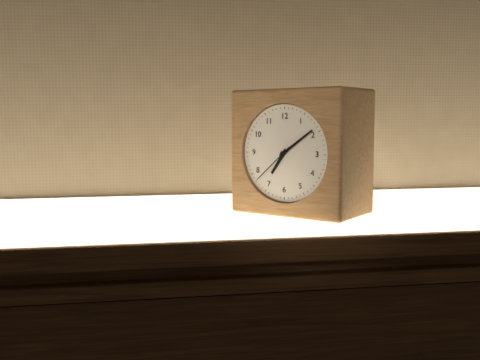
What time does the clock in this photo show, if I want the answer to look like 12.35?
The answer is 7.09
